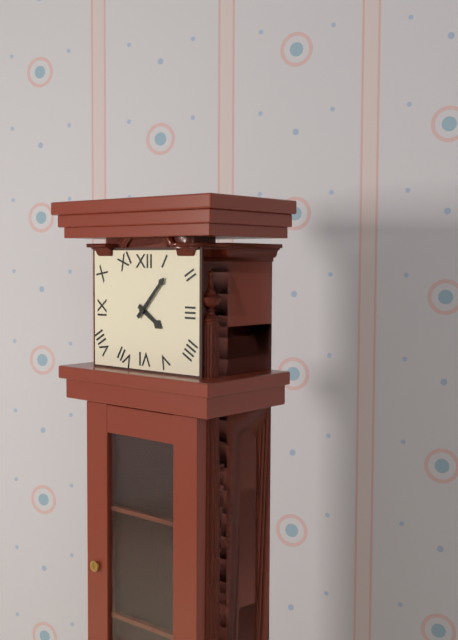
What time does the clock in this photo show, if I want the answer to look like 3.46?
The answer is 4.07
